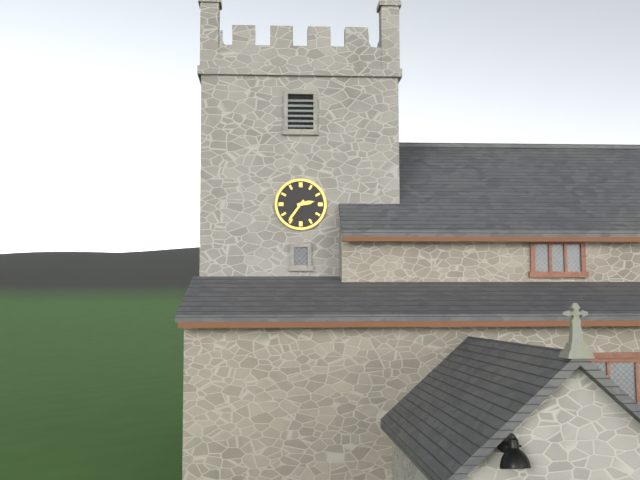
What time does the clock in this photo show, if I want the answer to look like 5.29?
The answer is 2.36
